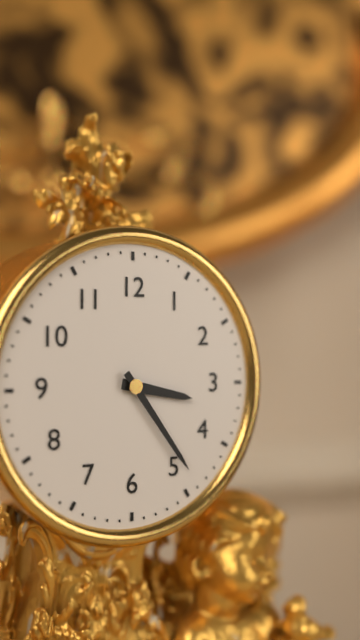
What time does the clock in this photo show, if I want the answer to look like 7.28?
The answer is 3.24
